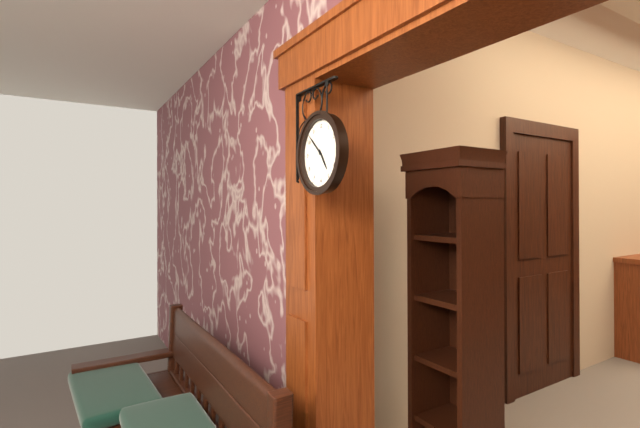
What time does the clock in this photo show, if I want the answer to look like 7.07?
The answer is 4.52
